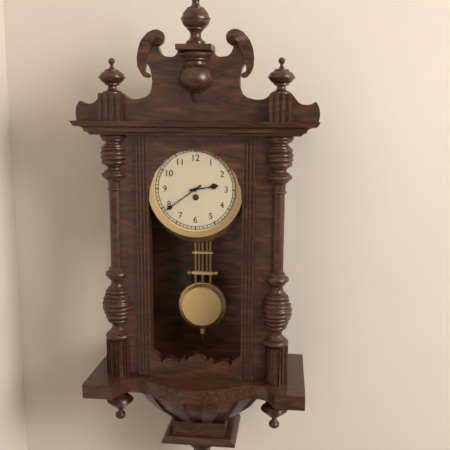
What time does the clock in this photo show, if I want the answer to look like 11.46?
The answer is 2.39
